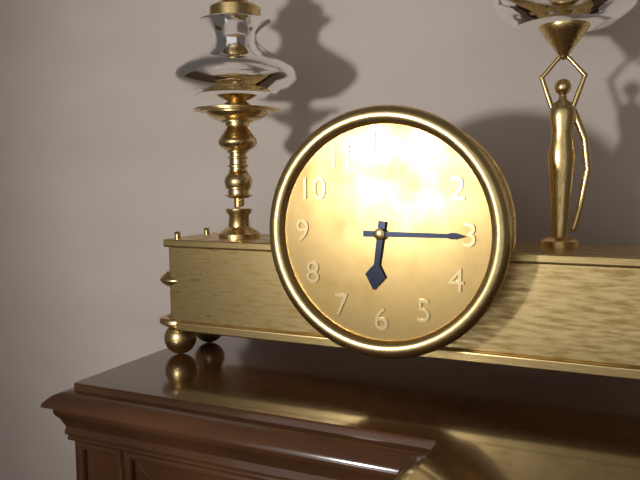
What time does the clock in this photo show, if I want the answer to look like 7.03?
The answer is 6.15
